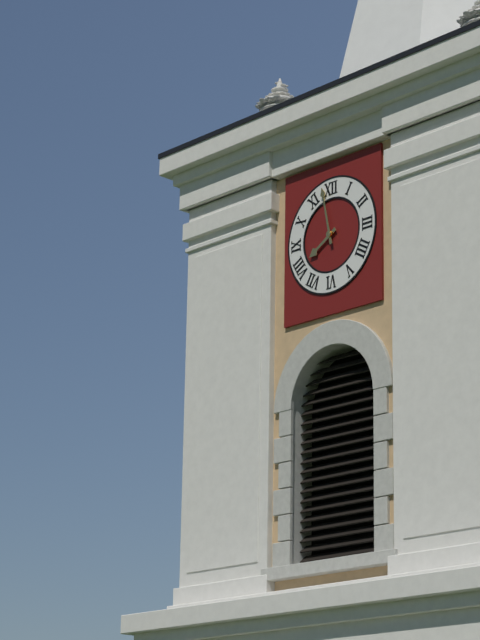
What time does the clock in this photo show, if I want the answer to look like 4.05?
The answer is 7.58
